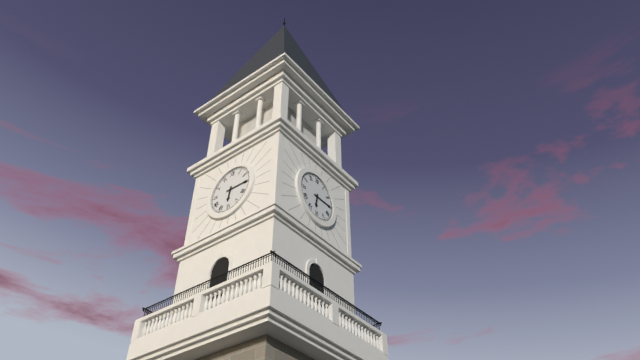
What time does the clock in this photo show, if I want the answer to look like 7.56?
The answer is 6.15
